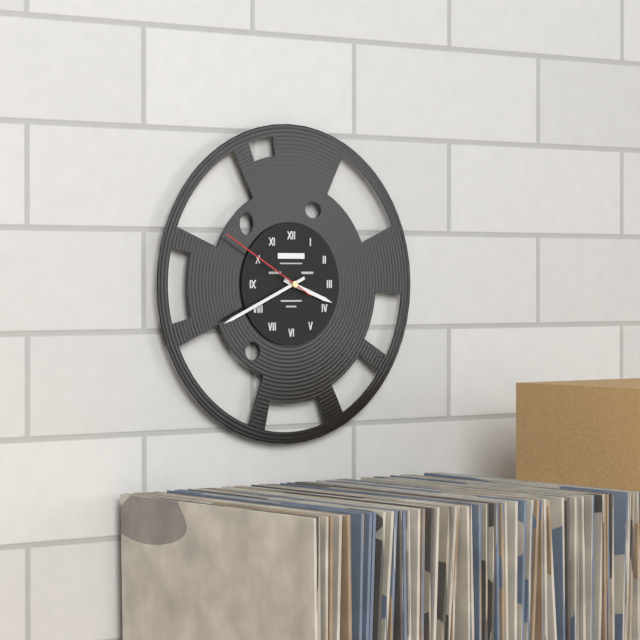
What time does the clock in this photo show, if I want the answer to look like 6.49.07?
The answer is 3.41.50
